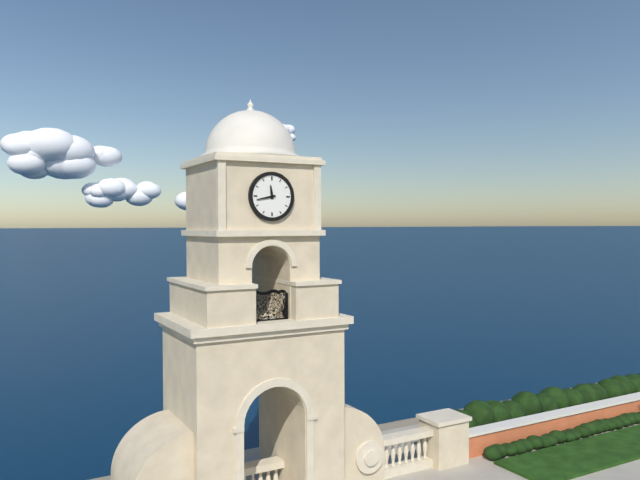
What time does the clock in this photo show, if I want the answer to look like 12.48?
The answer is 11.43
